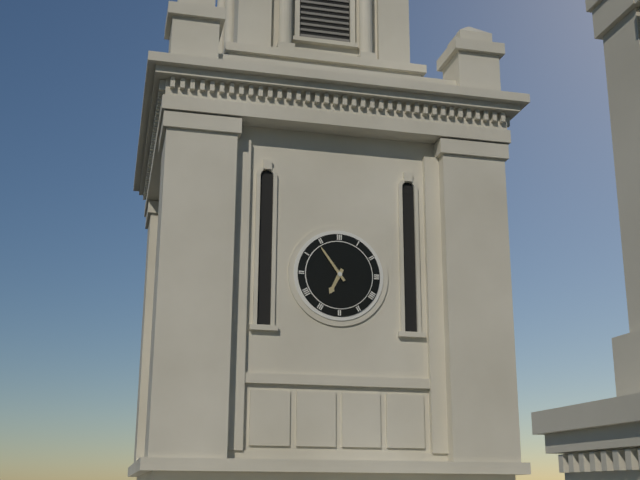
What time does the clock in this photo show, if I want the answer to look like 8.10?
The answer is 6.54
